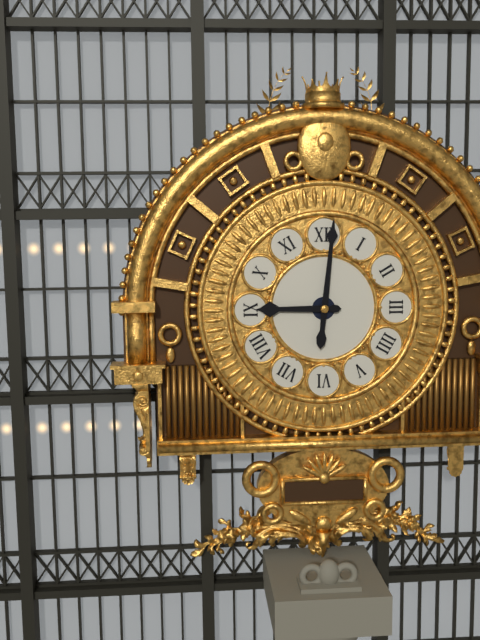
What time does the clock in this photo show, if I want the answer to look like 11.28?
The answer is 9.01
